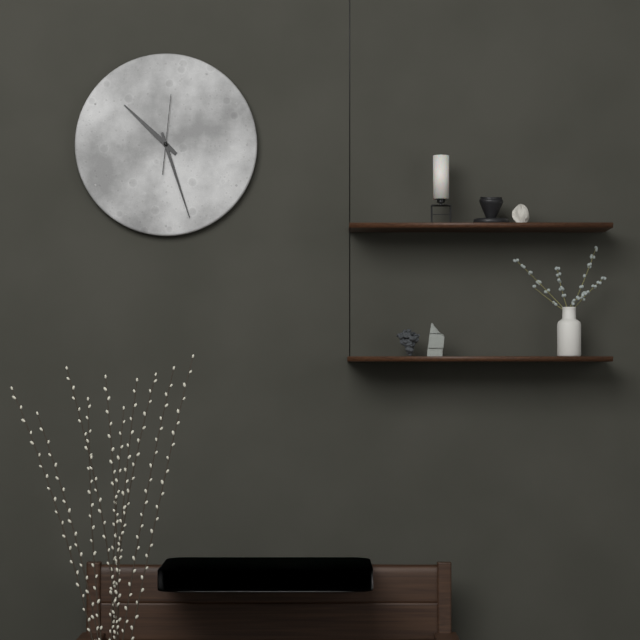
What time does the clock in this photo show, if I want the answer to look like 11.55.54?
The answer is 10.27.01
